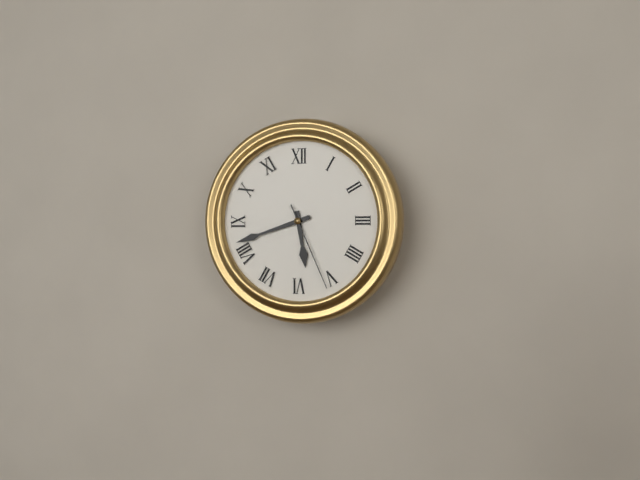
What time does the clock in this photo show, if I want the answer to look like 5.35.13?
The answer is 5.42.26
